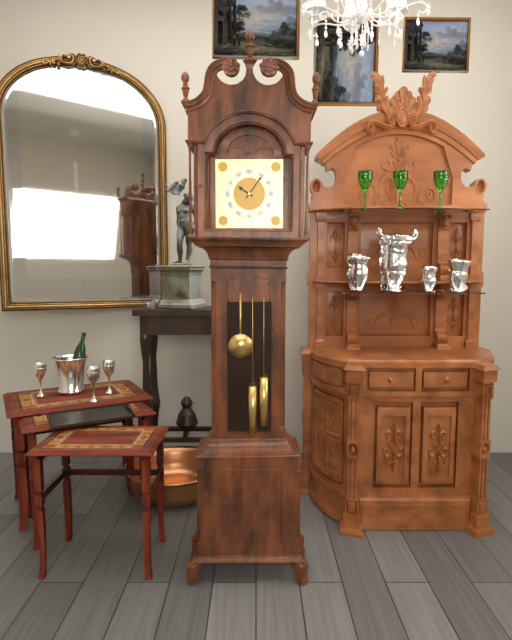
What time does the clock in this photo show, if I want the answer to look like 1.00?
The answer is 10.06
